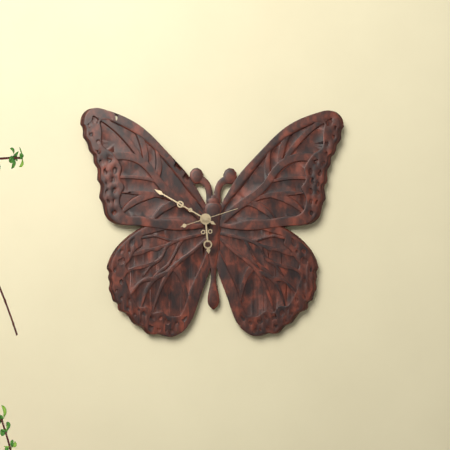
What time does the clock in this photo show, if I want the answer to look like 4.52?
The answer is 5.50
